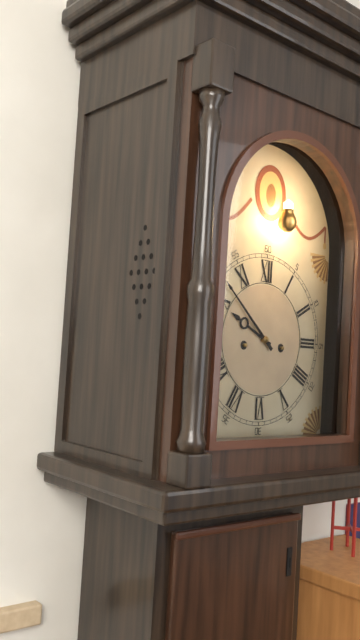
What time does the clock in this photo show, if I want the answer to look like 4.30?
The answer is 9.52
